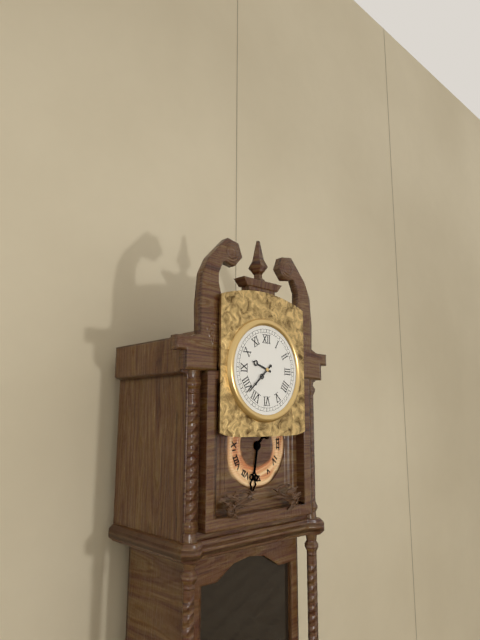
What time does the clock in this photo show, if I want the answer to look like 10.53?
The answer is 9.38
